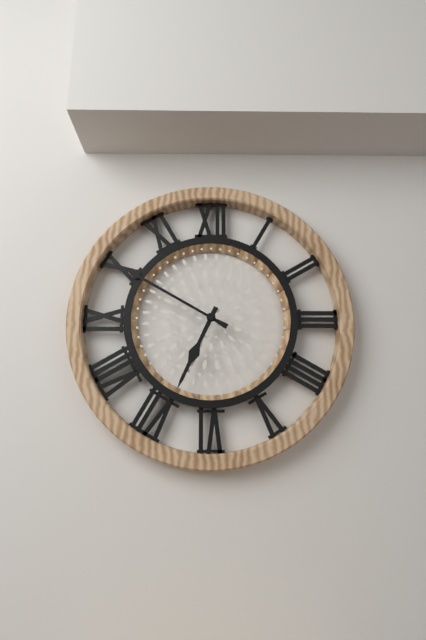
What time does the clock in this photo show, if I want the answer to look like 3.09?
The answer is 6.50
